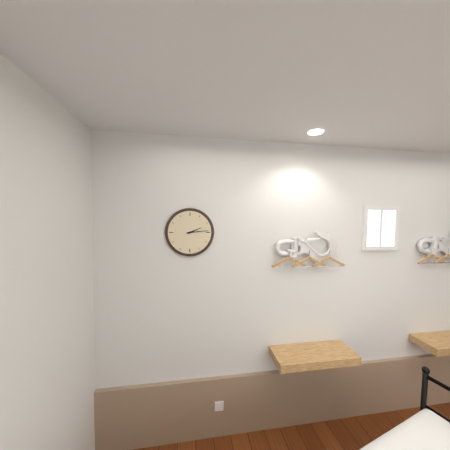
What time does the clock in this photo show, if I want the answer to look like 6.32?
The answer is 2.14
